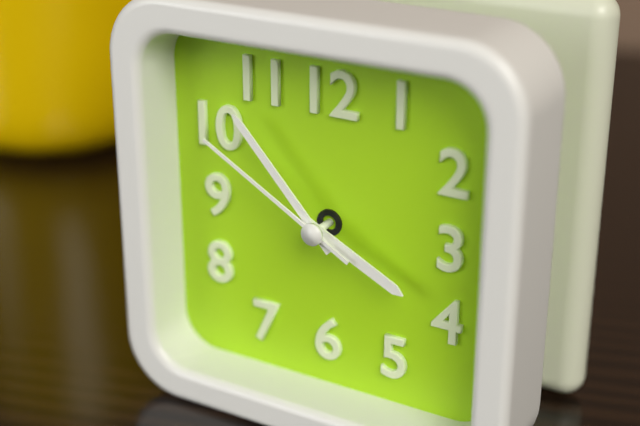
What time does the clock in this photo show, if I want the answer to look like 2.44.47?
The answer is 3.53.50
